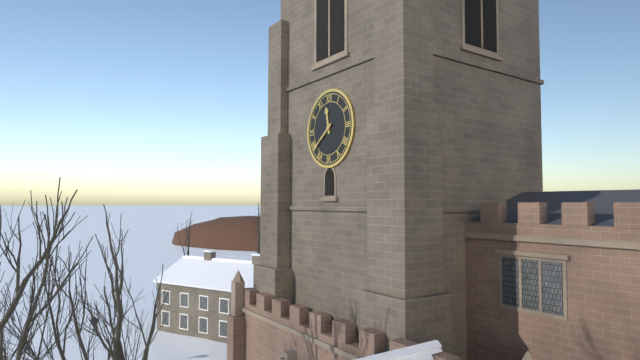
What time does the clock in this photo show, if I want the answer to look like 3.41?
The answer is 11.39
